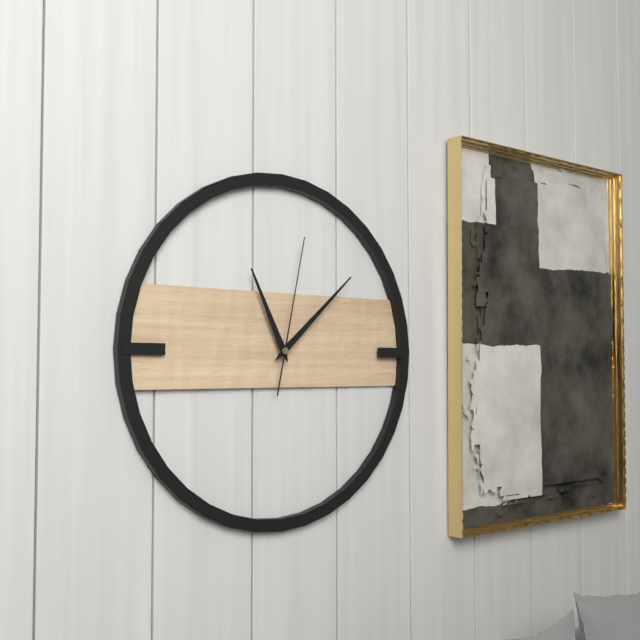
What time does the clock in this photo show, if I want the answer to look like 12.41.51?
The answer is 11.08.02
